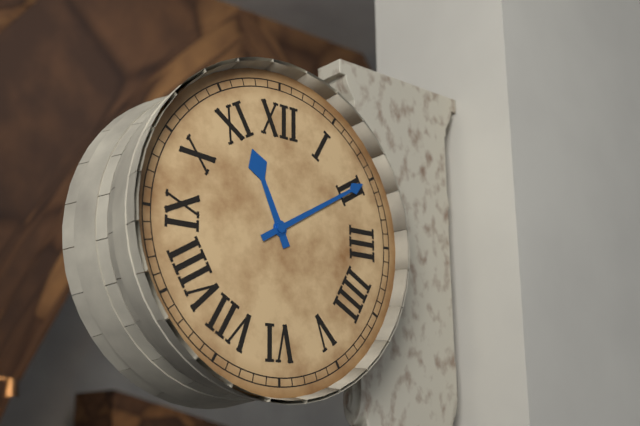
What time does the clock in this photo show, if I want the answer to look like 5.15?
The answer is 11.10
